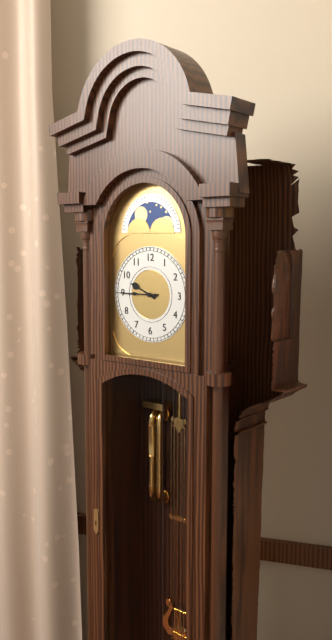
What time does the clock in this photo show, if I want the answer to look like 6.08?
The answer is 9.45
